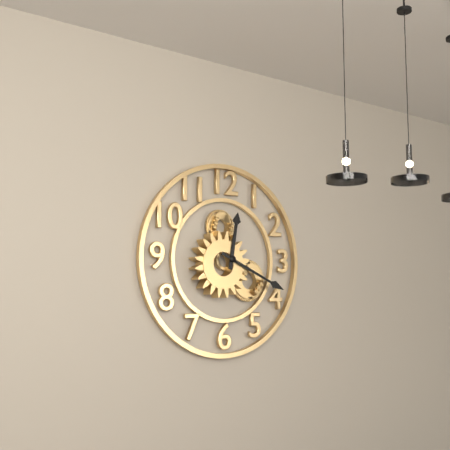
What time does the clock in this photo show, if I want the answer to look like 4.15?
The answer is 12.19
